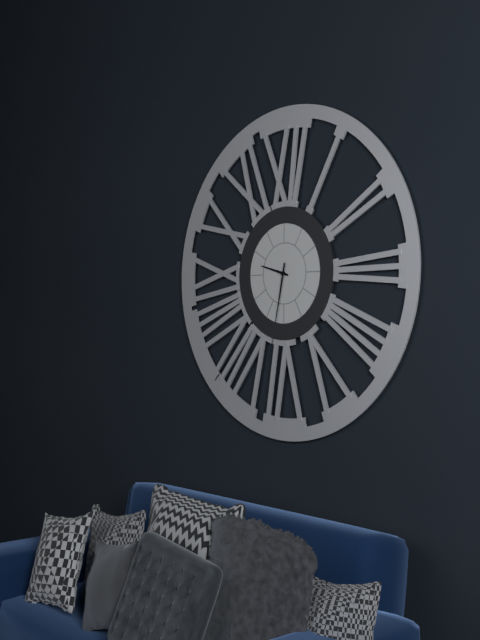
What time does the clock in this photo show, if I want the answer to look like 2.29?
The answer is 9.32
